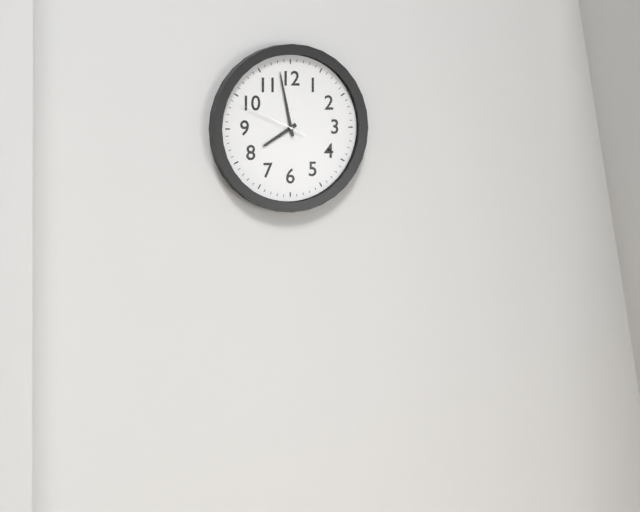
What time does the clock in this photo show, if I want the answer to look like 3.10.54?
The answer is 7.58.49
